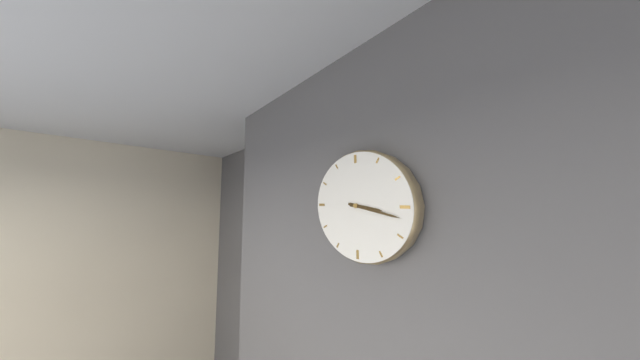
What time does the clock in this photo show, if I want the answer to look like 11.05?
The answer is 3.17
